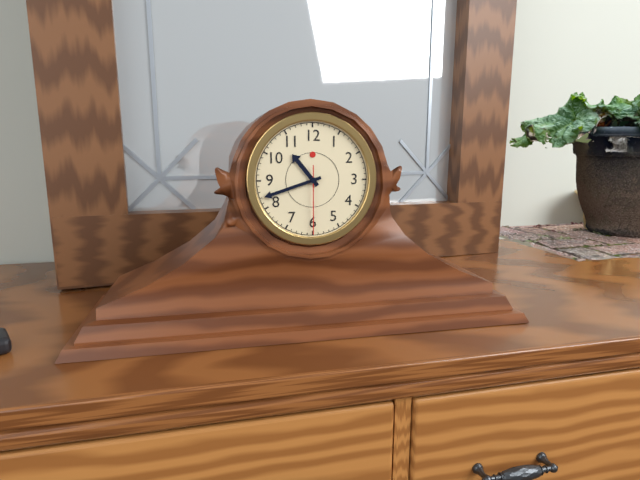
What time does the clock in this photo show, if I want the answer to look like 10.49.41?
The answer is 10.42.30
